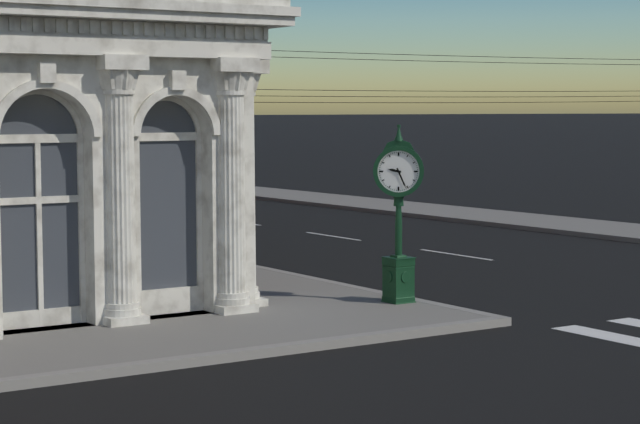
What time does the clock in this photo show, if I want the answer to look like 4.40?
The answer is 9.26
